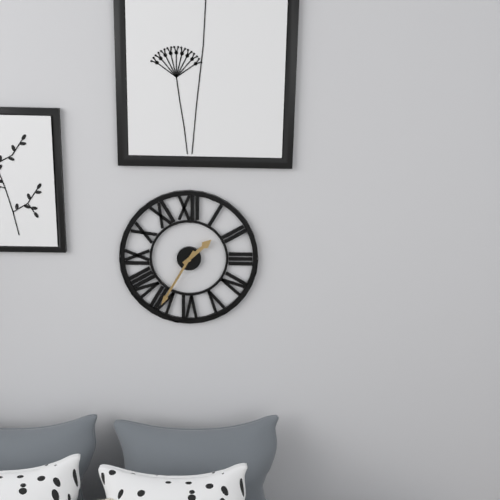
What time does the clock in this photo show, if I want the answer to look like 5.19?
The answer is 1.35
